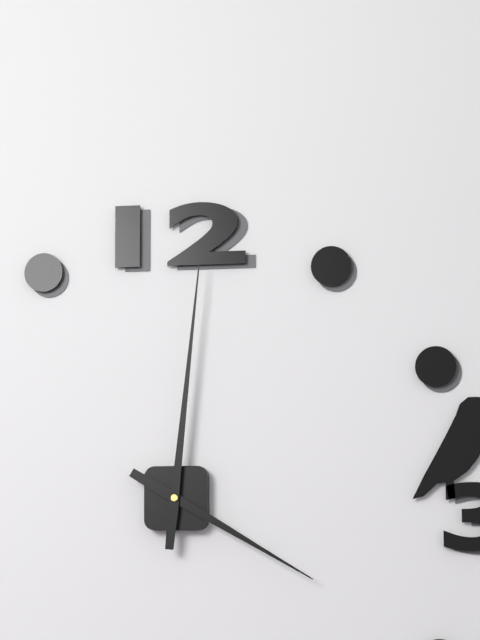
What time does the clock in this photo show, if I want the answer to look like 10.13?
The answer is 4.01
